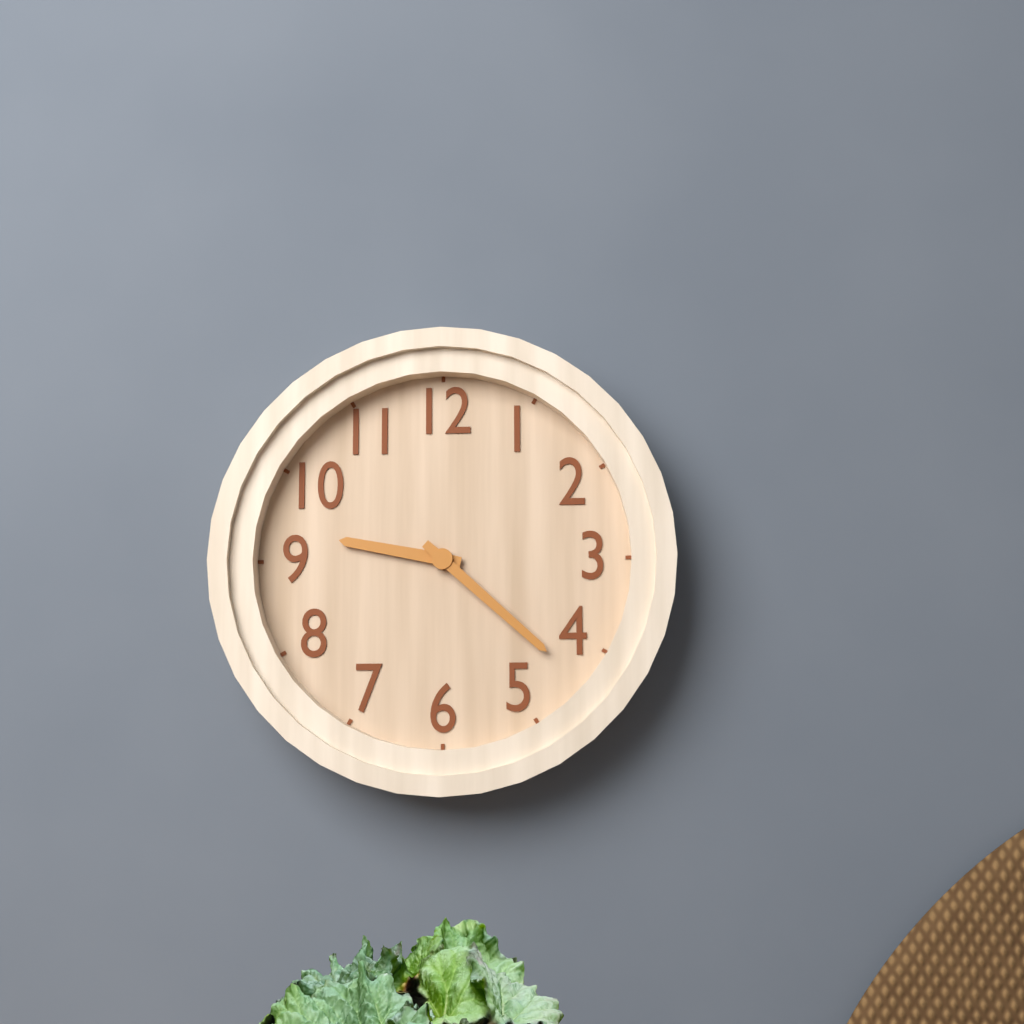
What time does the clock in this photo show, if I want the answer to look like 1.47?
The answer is 9.22
